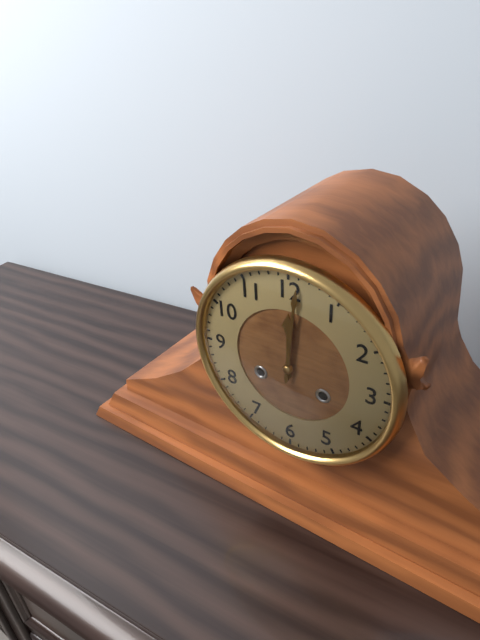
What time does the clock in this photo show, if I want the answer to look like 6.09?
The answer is 12.01
